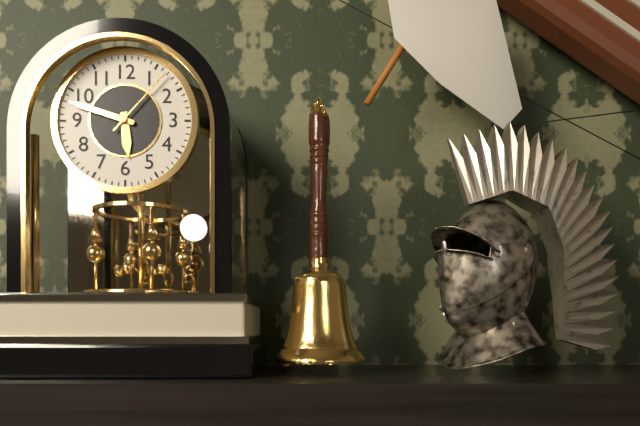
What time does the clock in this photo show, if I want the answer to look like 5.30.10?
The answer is 5.48.07
